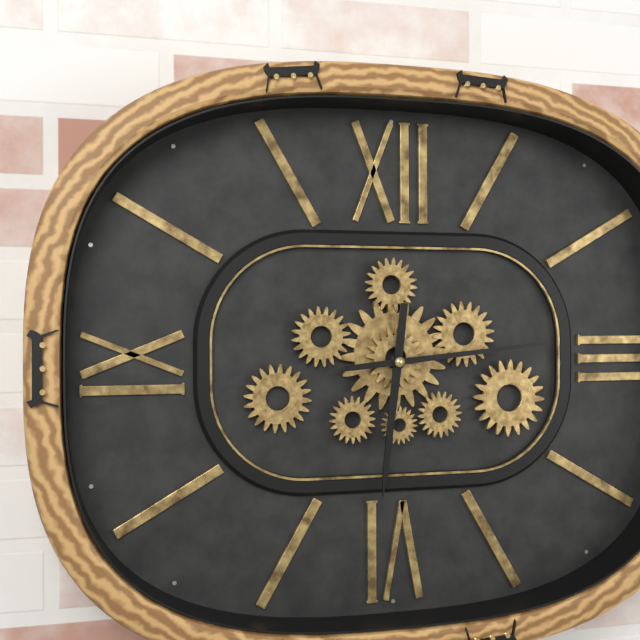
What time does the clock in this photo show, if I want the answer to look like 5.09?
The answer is 6.14
